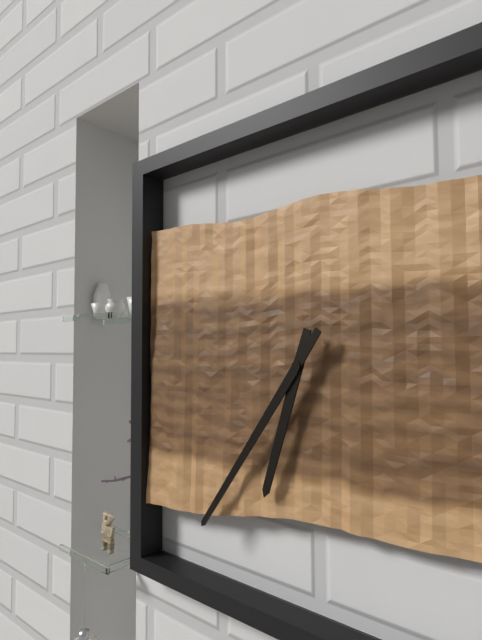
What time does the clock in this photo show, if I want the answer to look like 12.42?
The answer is 6.36
